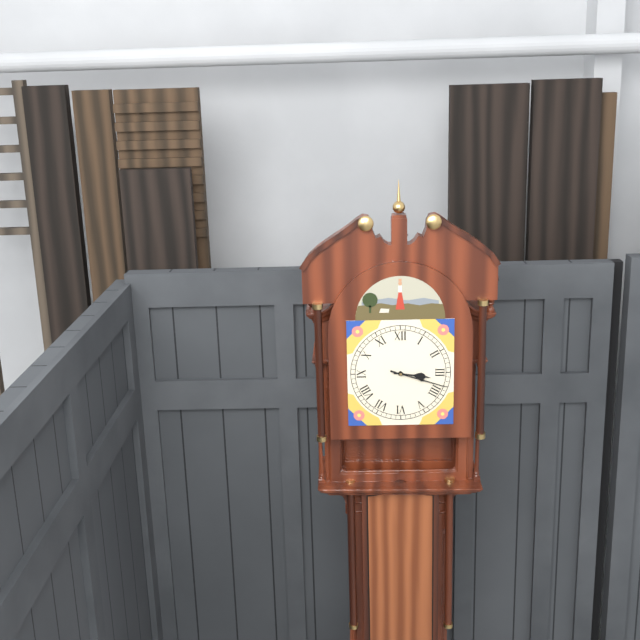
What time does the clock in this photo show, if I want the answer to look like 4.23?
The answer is 3.18
